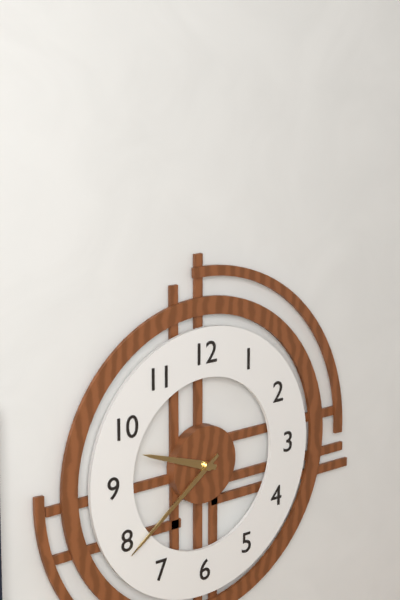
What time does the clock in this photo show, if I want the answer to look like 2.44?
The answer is 9.39
